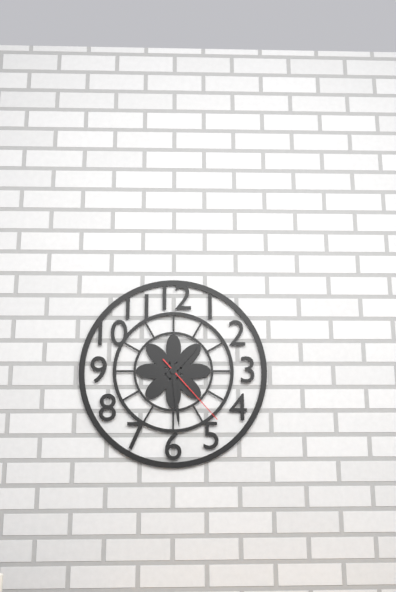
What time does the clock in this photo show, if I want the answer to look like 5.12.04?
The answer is 1.29.23
